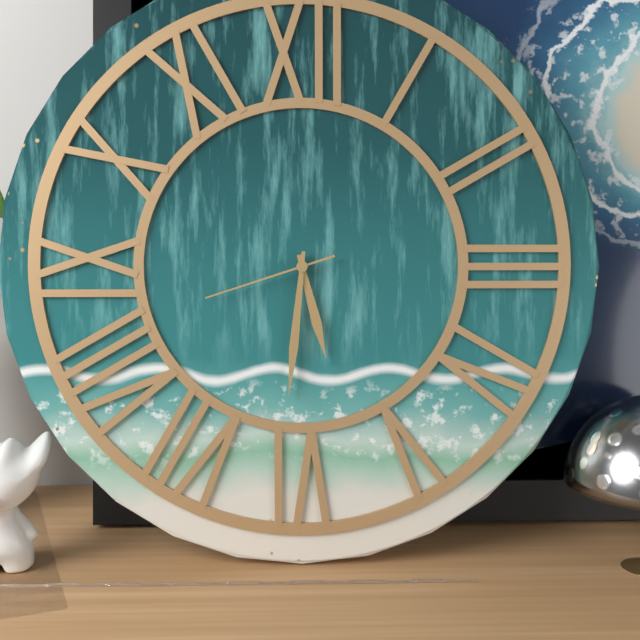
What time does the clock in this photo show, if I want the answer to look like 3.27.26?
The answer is 5.31.42
